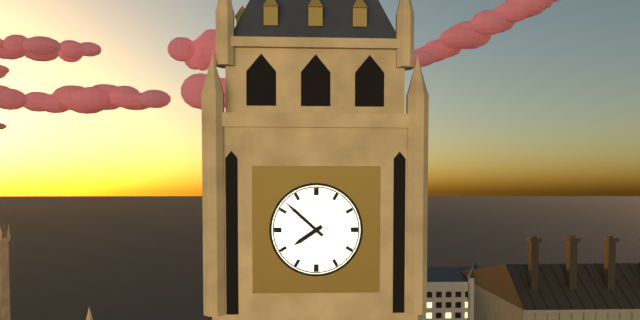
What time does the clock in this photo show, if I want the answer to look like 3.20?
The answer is 7.52
